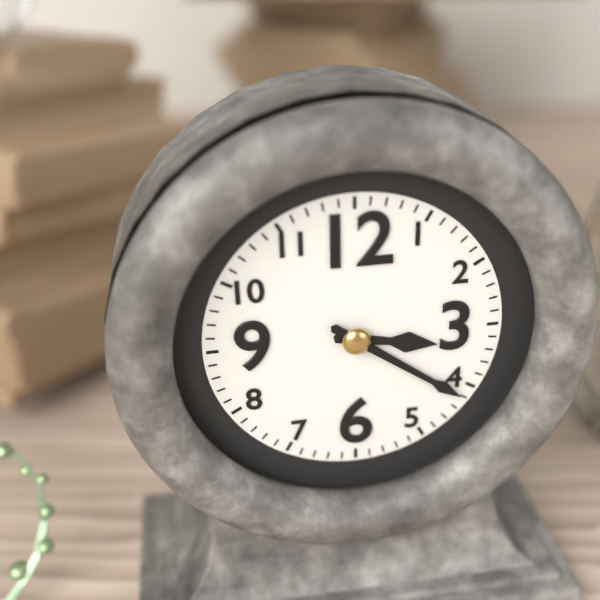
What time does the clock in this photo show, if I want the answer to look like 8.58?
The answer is 3.21
